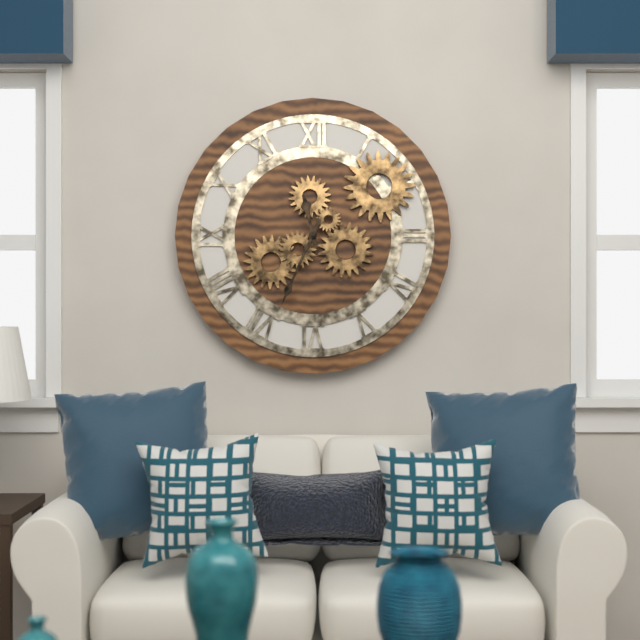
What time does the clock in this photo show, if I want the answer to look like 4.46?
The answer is 11.34
